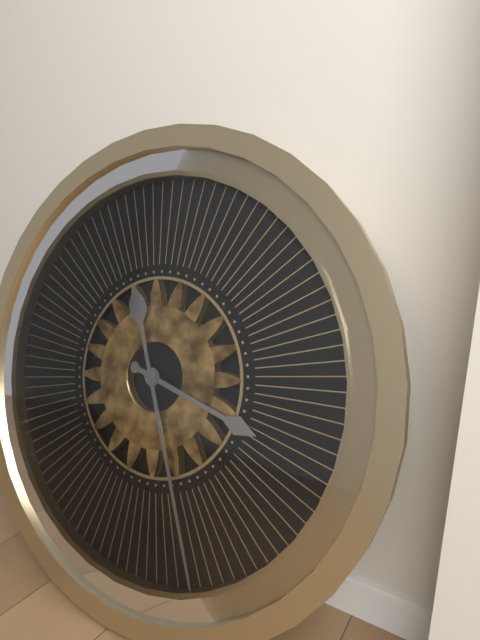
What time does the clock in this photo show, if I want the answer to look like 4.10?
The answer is 3.26
